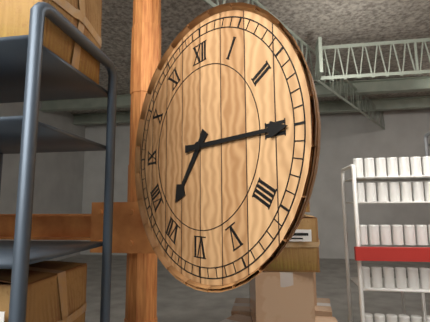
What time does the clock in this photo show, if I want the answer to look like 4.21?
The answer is 7.15
